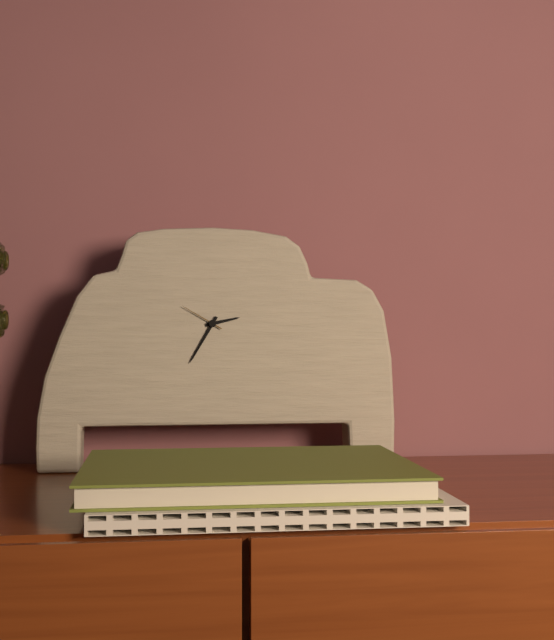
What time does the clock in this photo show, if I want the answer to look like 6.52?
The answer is 2.35
